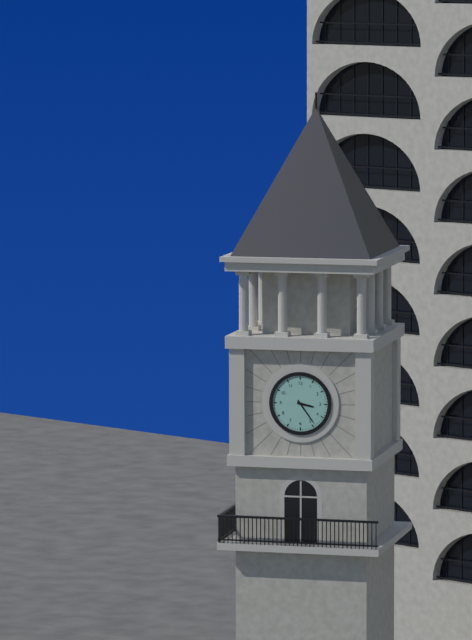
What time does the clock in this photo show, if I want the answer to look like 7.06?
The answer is 3.24
